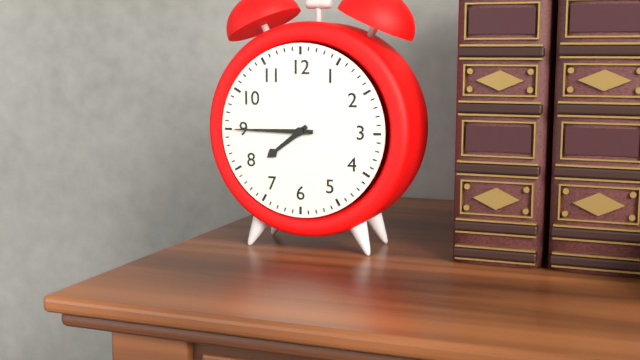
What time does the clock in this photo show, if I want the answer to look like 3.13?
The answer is 7.45
